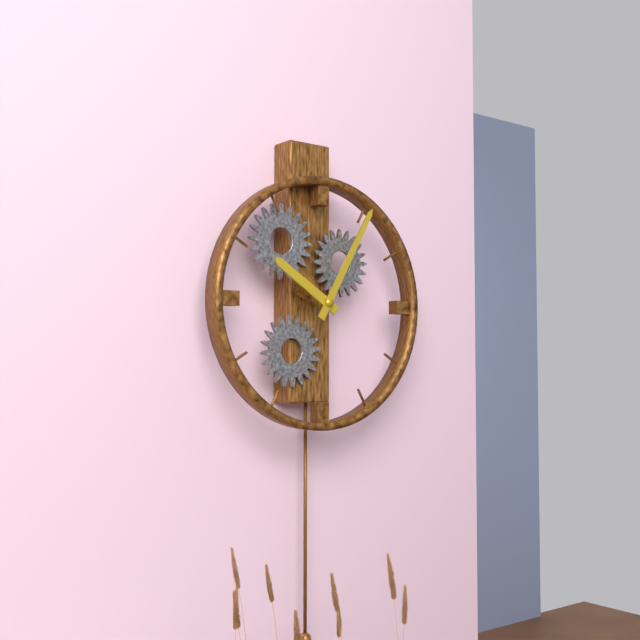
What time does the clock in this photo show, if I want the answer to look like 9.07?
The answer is 10.05
